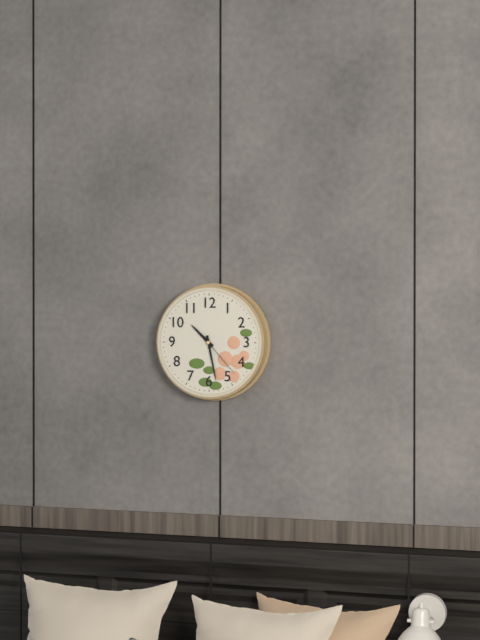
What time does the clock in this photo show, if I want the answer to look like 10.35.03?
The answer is 10.28.23
